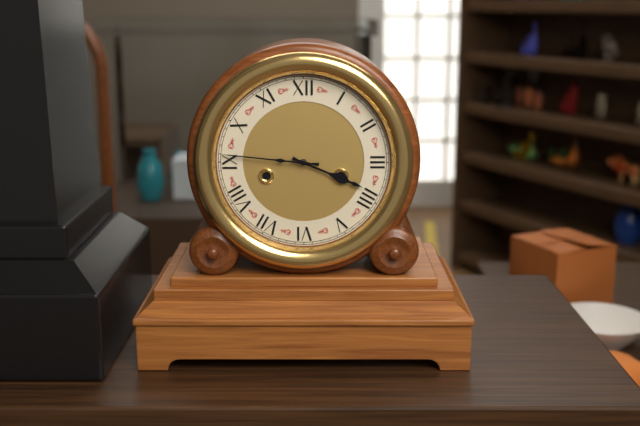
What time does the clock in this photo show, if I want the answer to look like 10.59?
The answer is 3.46
